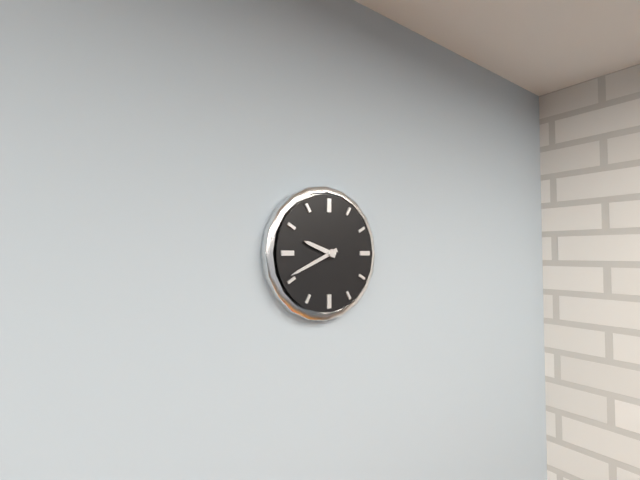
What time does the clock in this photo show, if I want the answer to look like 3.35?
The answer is 9.41
